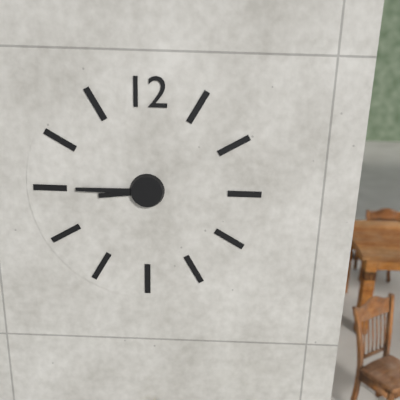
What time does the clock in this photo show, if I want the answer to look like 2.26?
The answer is 8.45
